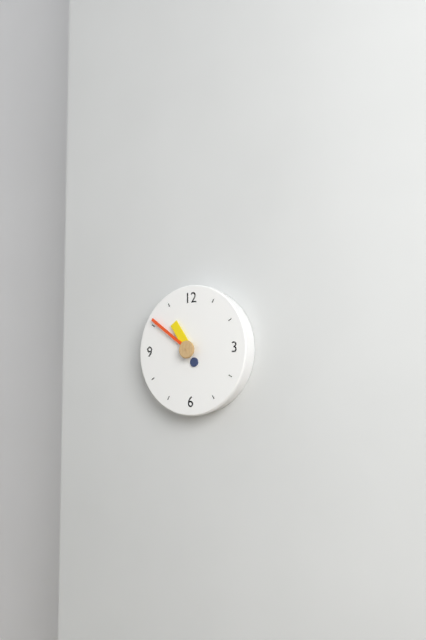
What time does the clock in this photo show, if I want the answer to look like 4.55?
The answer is 10.51
